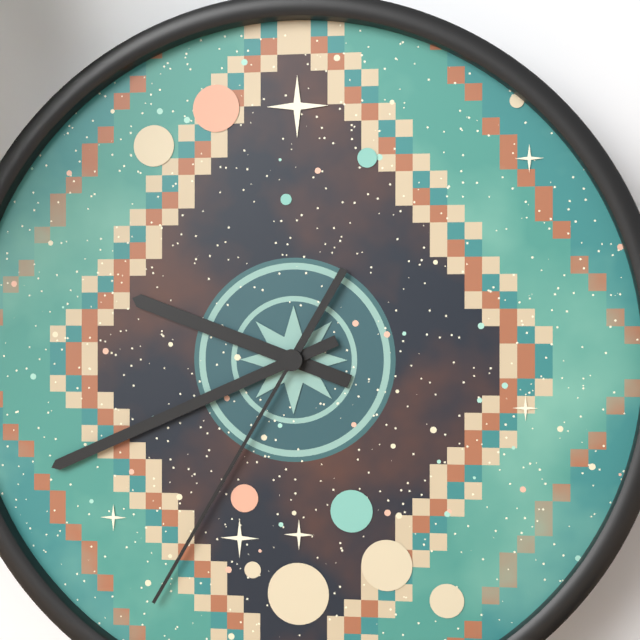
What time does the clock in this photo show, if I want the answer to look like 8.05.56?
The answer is 9.41.35
